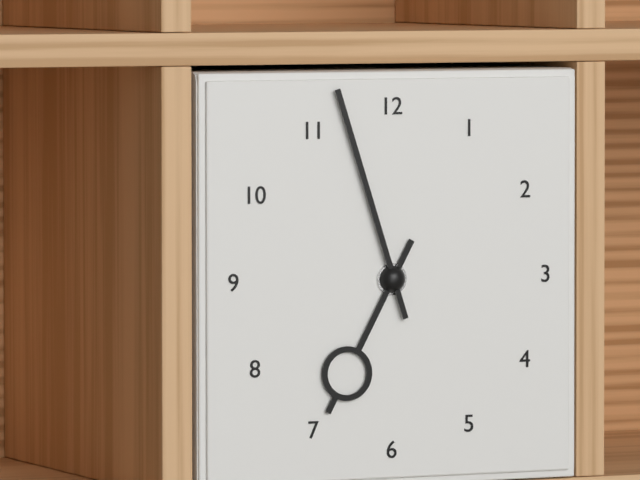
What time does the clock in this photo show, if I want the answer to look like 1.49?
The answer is 6.57
